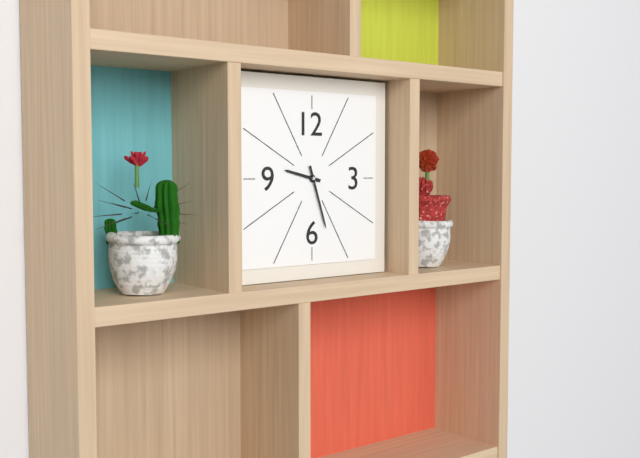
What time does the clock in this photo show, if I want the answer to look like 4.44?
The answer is 9.27
